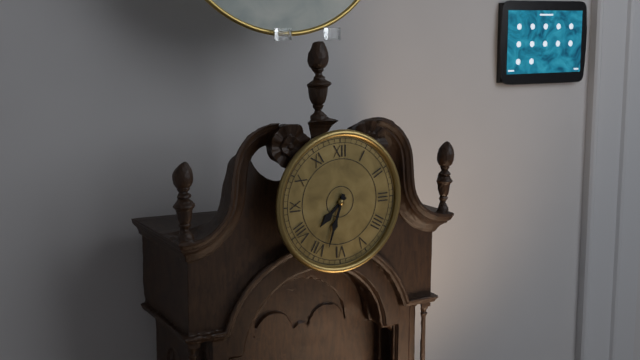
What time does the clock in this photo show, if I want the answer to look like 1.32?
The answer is 7.33
